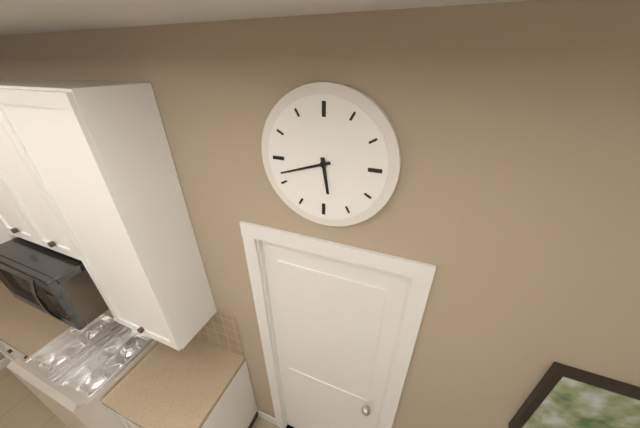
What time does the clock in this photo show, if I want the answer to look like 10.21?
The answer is 5.42
